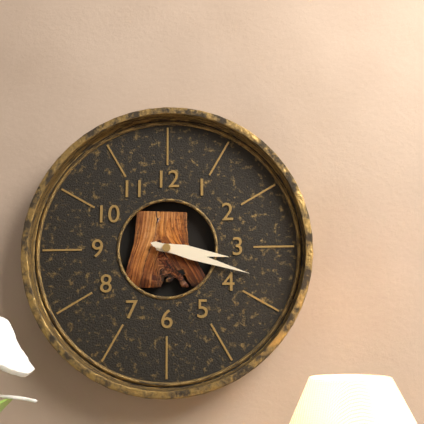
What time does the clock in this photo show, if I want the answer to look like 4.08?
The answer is 3.18
